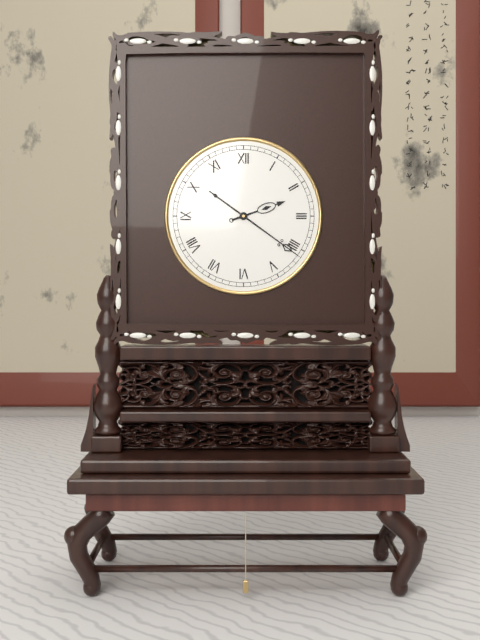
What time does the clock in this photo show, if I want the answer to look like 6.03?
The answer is 2.21
